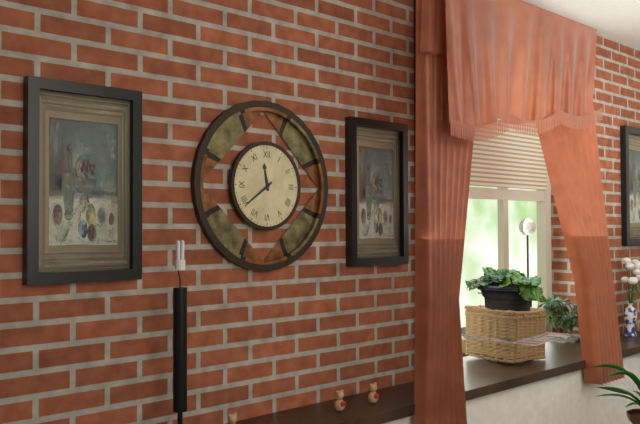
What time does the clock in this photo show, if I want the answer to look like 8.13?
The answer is 11.39
